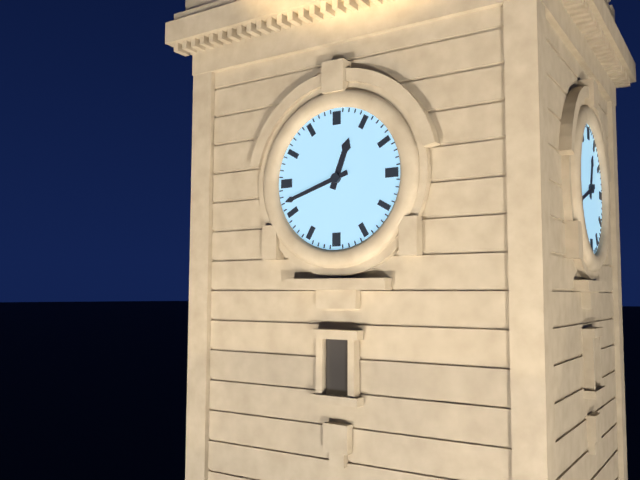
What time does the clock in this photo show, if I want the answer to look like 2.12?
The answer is 12.42
